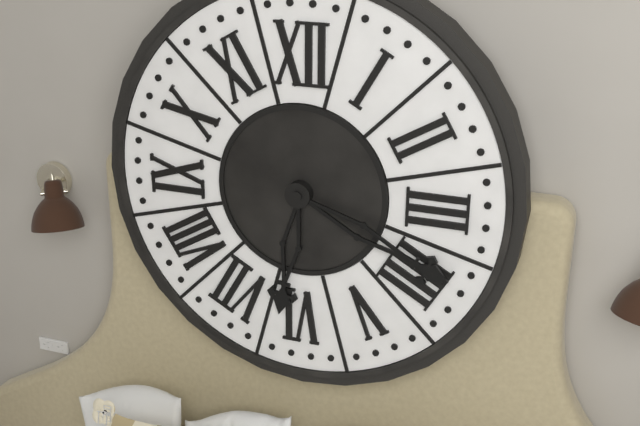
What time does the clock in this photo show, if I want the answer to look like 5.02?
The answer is 6.19
